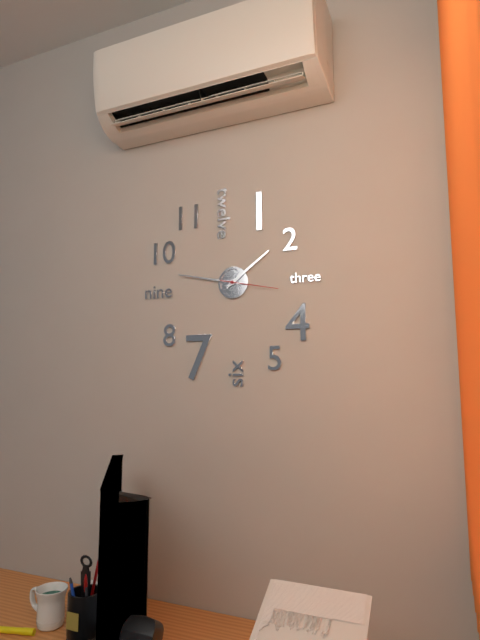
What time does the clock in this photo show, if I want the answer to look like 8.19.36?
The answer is 1.47.17
